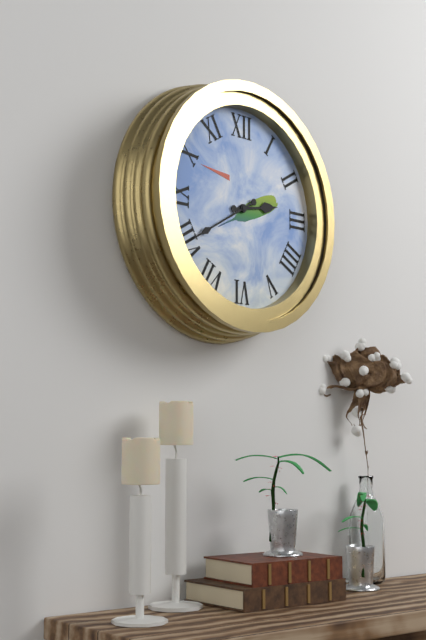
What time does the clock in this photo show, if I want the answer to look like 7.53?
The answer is 2.40
